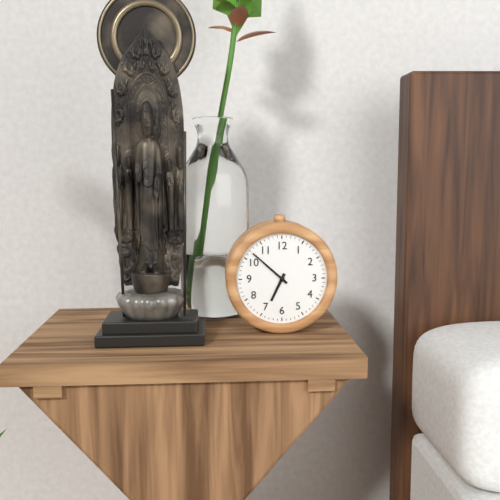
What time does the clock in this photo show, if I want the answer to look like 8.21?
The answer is 6.52
